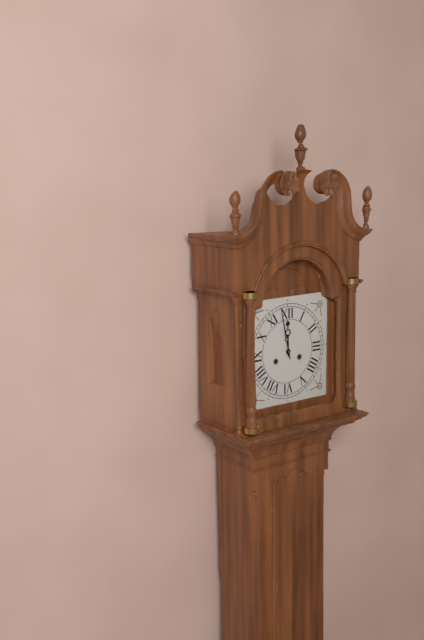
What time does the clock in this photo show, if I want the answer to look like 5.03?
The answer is 11.58
